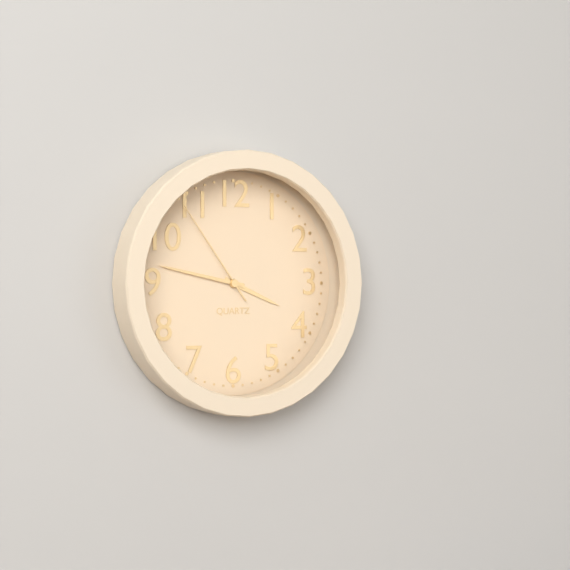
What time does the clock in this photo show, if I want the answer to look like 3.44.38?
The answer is 3.47.54
